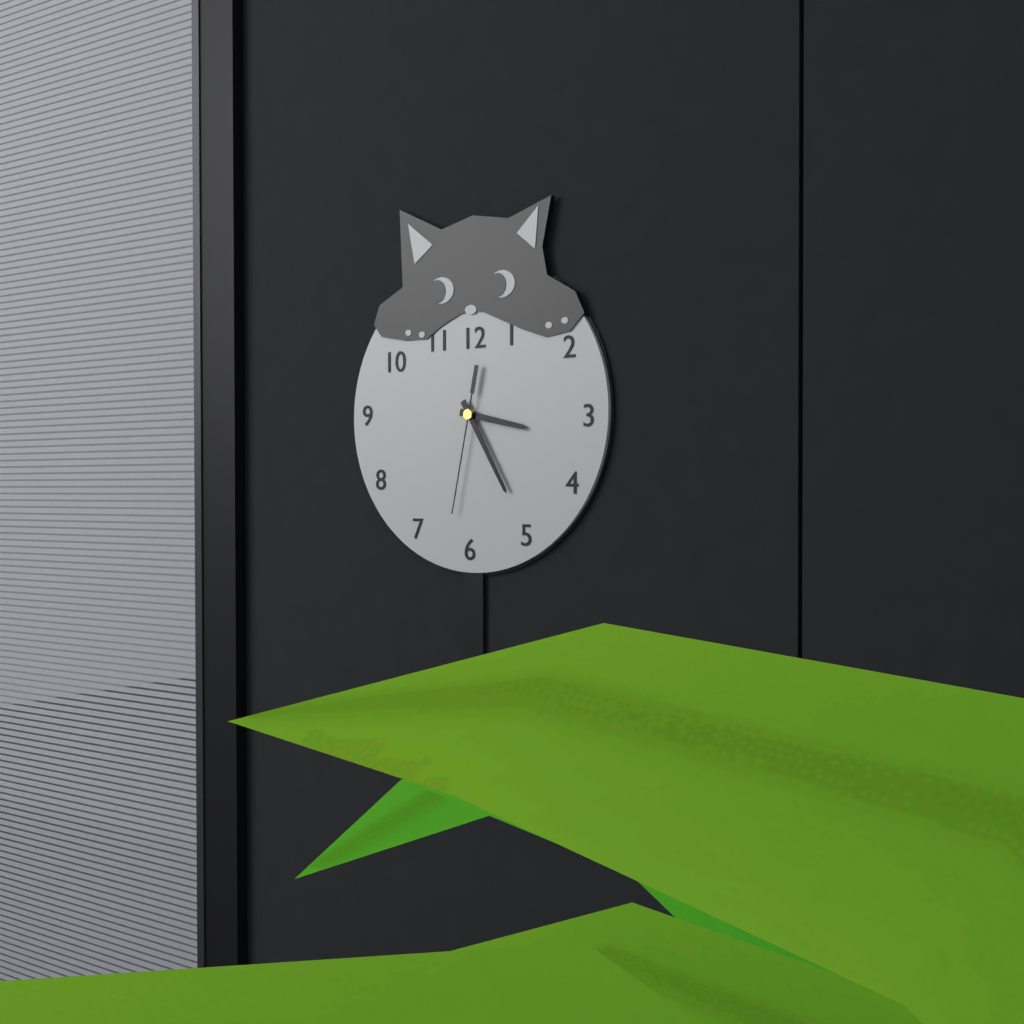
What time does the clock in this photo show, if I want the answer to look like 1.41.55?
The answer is 3.25.32
